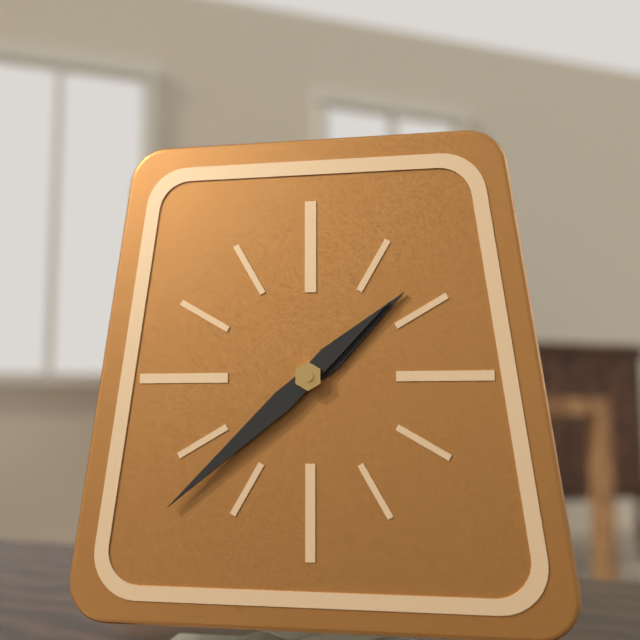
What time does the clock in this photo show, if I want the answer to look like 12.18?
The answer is 1.38
